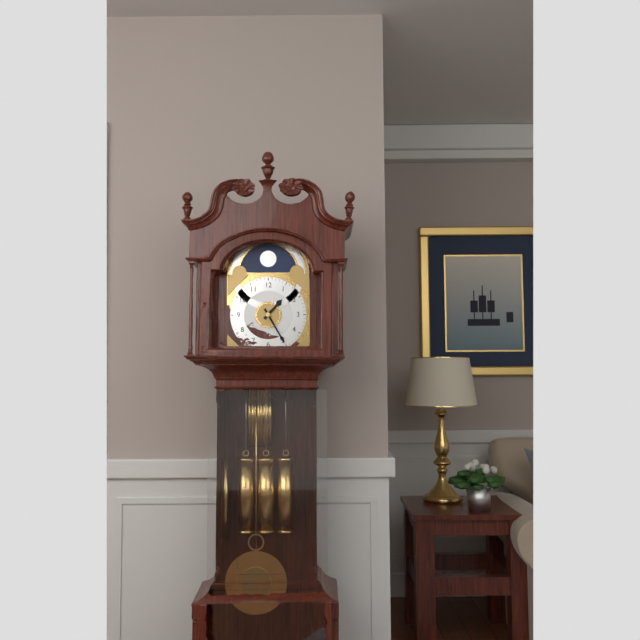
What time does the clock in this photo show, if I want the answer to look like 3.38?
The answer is 1.25
